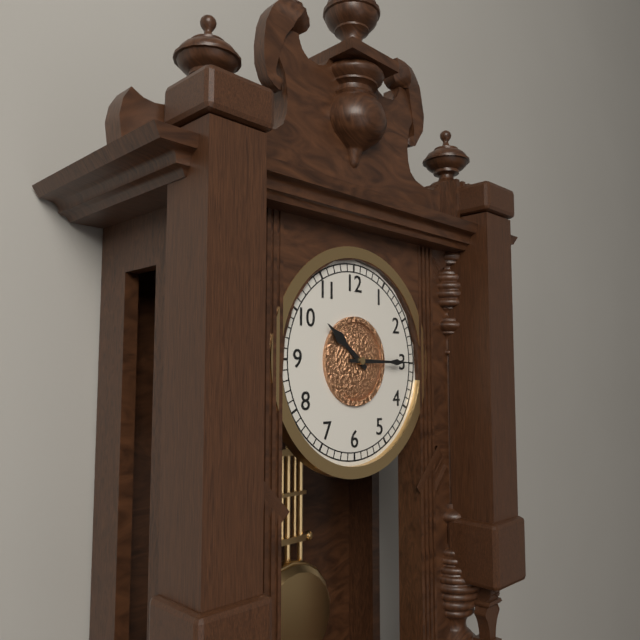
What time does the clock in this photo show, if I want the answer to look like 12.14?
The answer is 10.15
